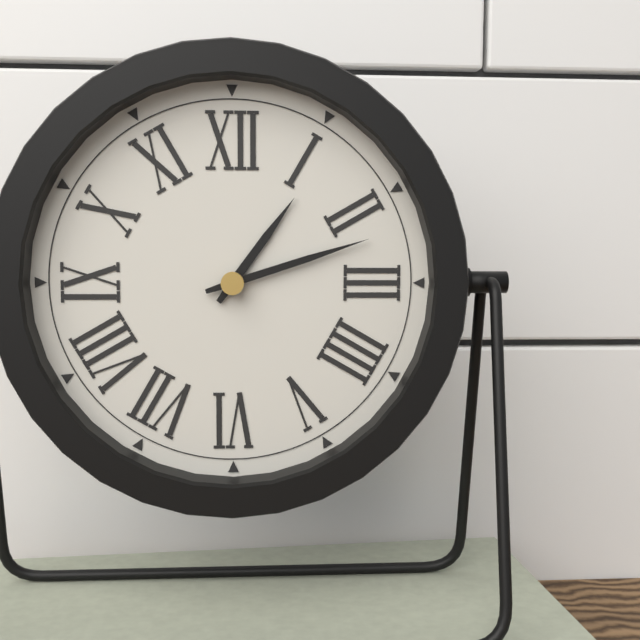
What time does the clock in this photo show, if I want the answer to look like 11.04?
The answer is 1.12
